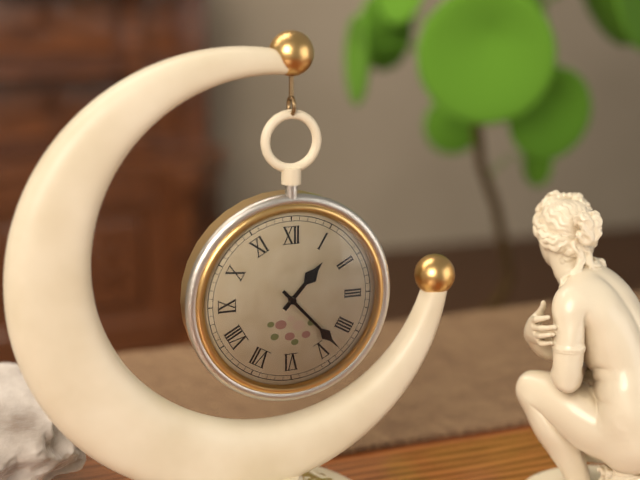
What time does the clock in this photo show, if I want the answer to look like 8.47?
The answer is 1.23
